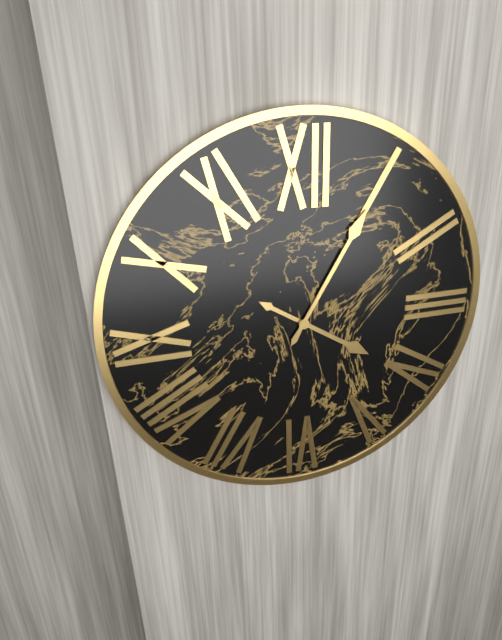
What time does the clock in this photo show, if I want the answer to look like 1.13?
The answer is 4.05
